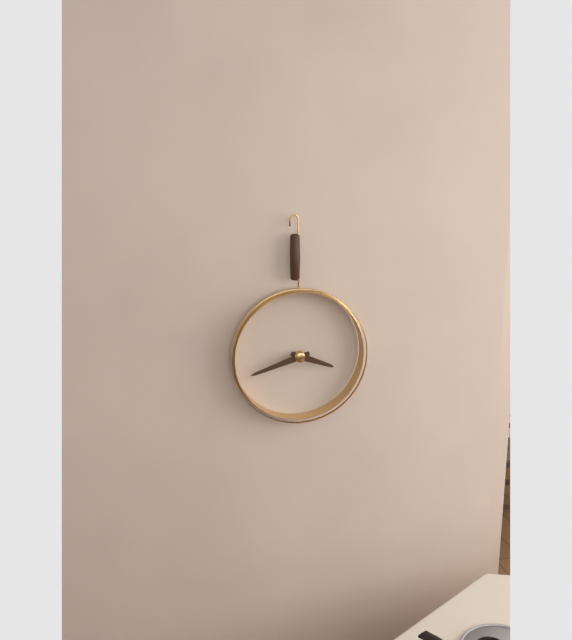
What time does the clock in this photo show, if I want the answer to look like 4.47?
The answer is 3.42
